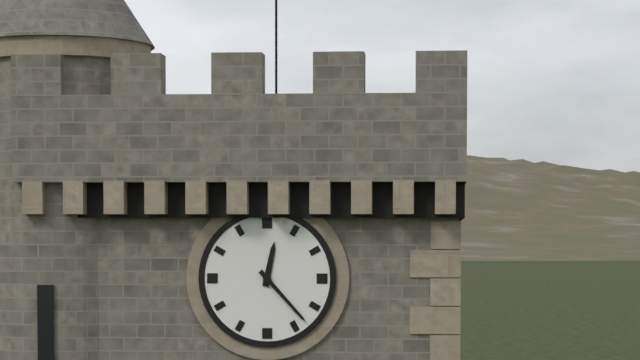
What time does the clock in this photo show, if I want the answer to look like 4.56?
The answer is 12.23
